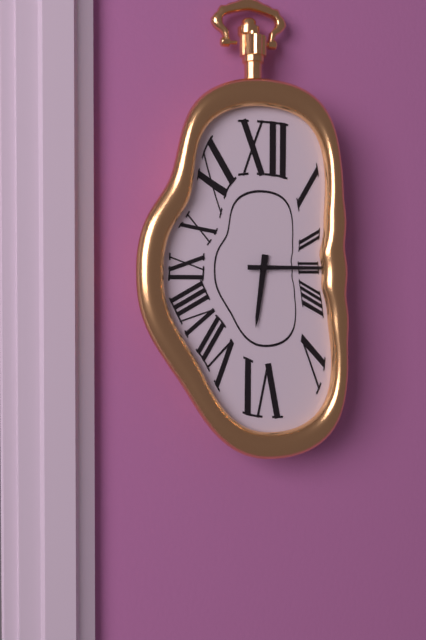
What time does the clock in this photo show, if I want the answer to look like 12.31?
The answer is 6.15
